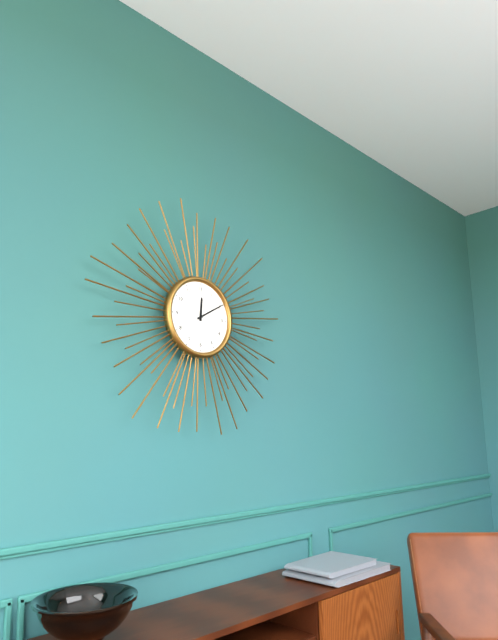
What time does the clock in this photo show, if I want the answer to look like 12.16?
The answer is 12.10
